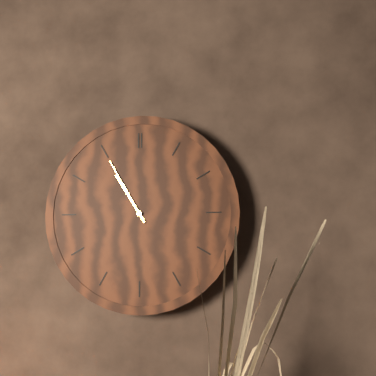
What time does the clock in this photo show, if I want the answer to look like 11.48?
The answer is 10.55
